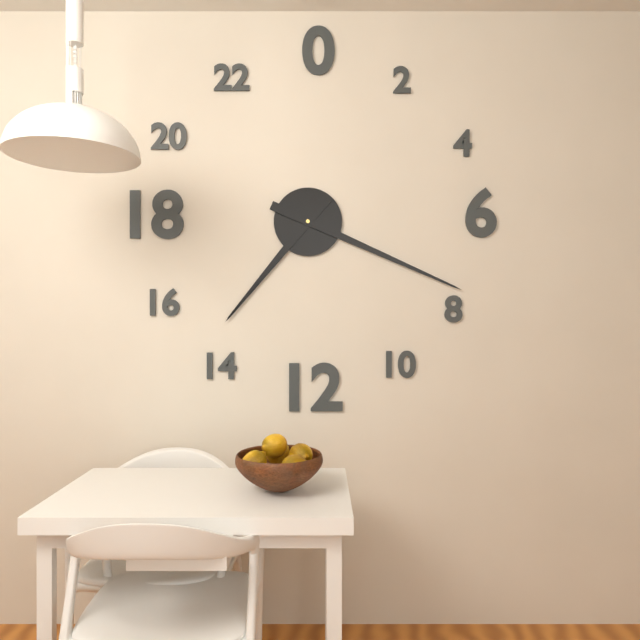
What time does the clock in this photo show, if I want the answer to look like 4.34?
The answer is 7.19
